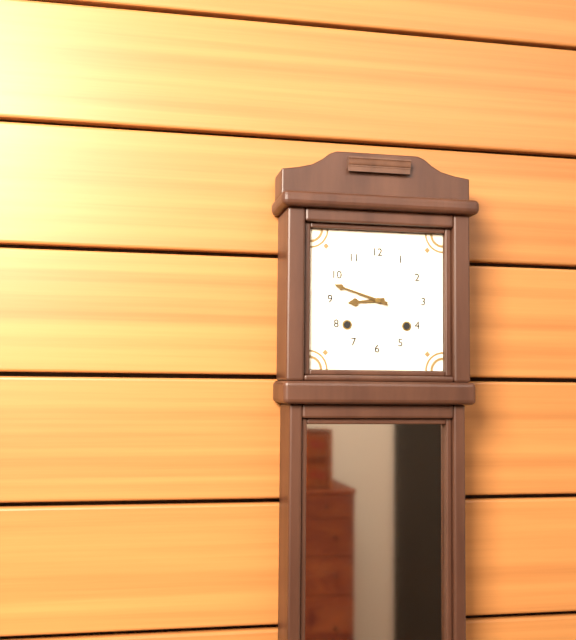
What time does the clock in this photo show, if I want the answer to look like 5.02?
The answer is 8.48
